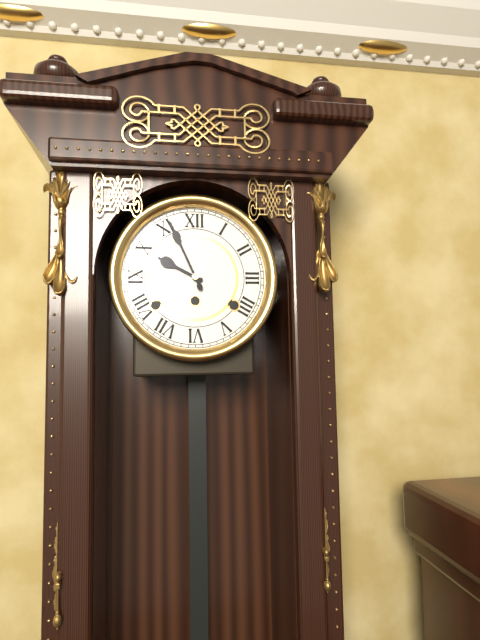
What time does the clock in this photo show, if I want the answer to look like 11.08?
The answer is 9.56
